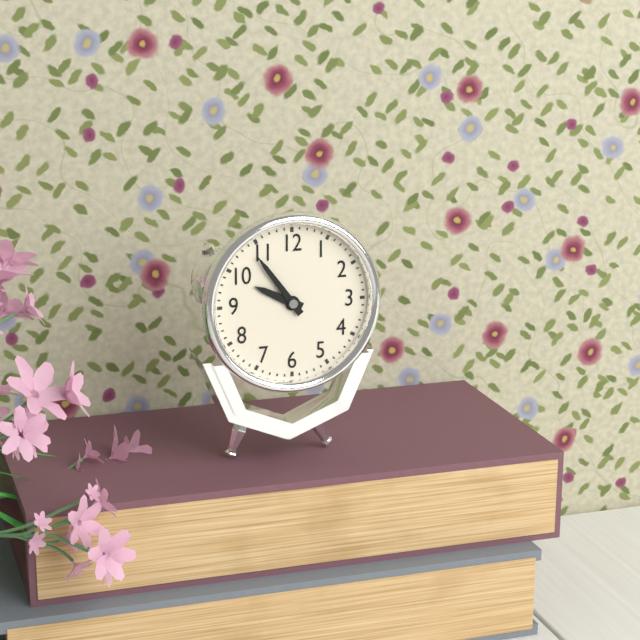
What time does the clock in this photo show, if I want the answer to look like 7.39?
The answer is 9.54
